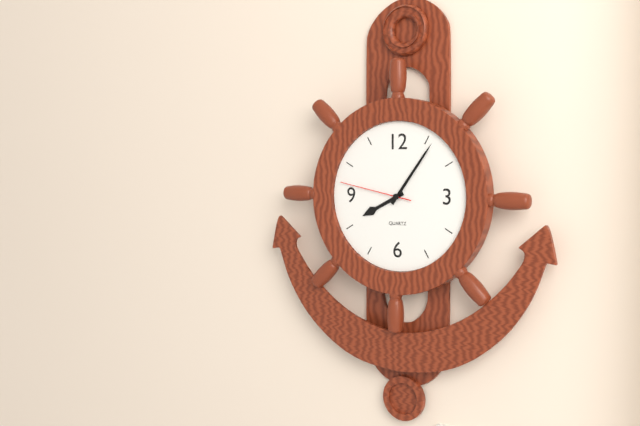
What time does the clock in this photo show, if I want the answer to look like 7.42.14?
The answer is 8.06.47
